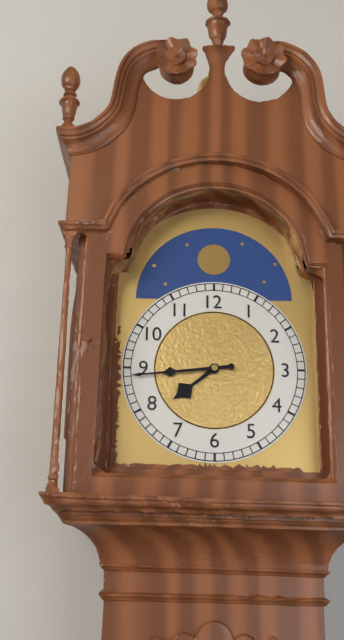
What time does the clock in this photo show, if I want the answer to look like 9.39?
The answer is 7.44
